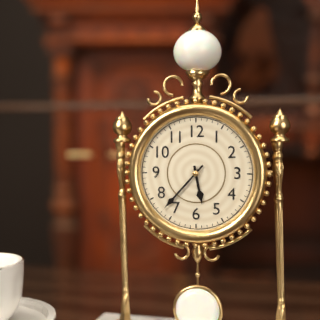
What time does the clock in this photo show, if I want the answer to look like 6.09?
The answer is 5.37
